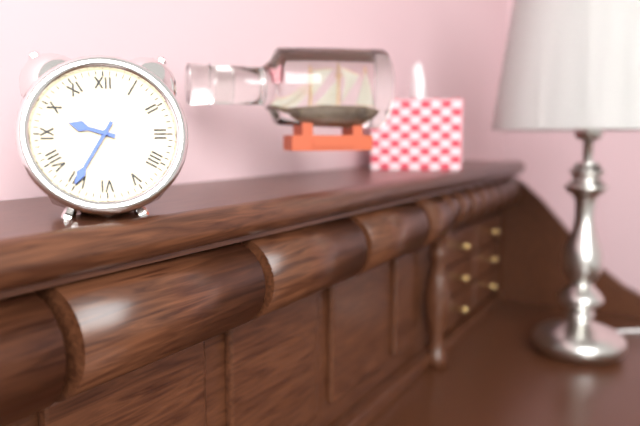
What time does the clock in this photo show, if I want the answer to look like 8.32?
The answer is 9.35
